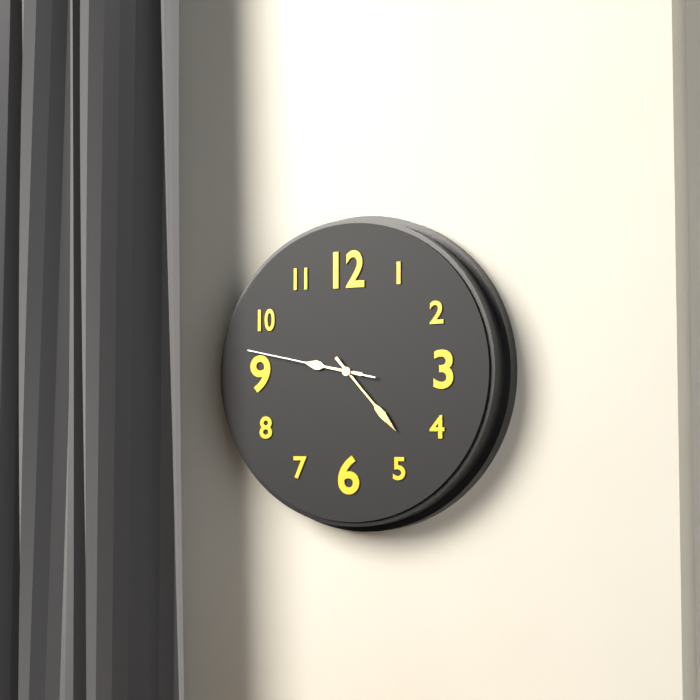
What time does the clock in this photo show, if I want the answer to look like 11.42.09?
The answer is 9.23.47
